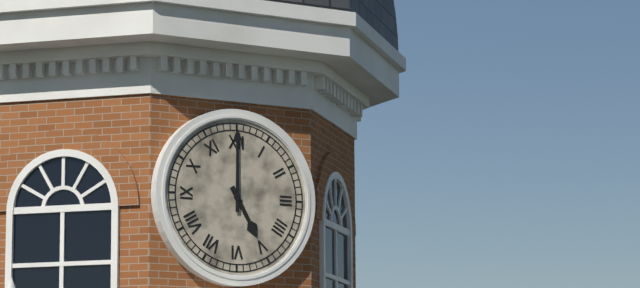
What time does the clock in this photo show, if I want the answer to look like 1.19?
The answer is 5.00
